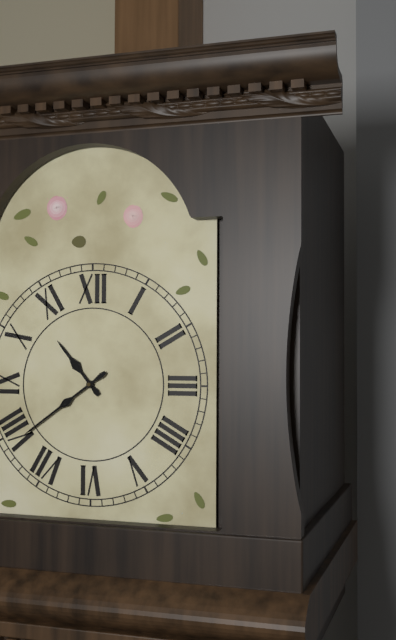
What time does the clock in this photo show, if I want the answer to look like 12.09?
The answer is 10.39
